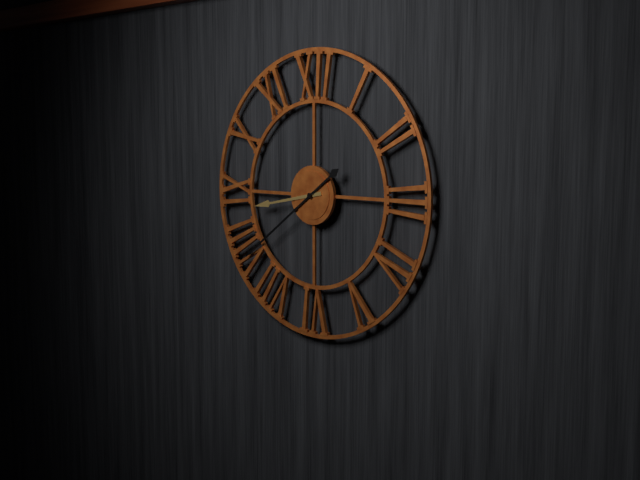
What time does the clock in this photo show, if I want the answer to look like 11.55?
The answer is 8.39
